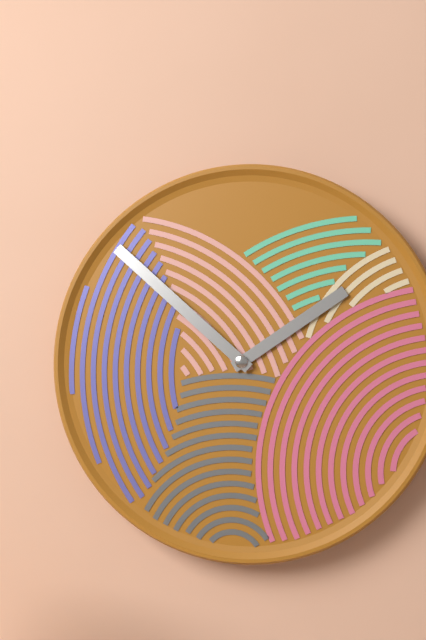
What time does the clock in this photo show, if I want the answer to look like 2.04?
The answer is 1.52
